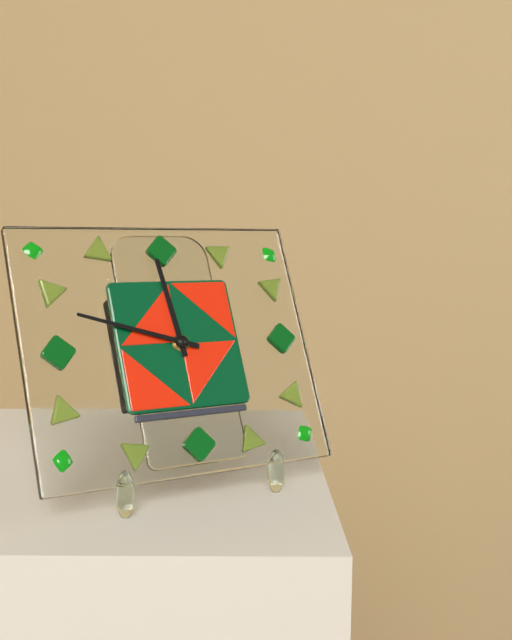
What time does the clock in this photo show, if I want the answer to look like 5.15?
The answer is 11.48
